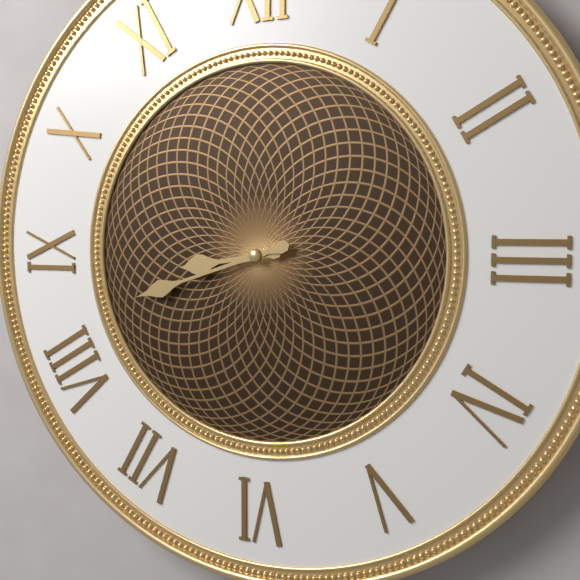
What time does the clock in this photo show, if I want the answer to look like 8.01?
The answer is 8.42
